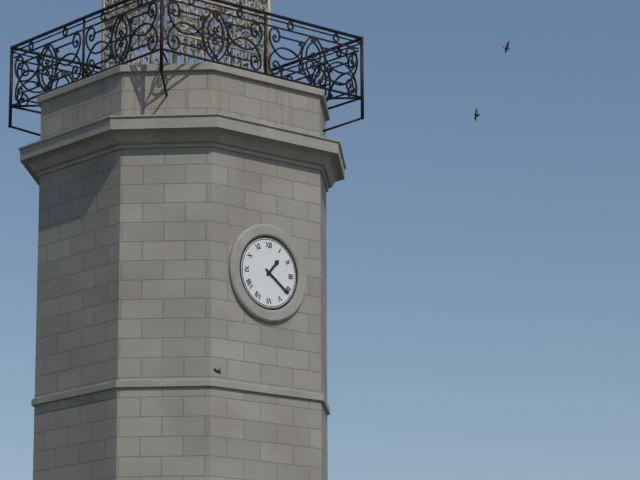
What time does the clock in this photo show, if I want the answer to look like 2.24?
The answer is 1.21
